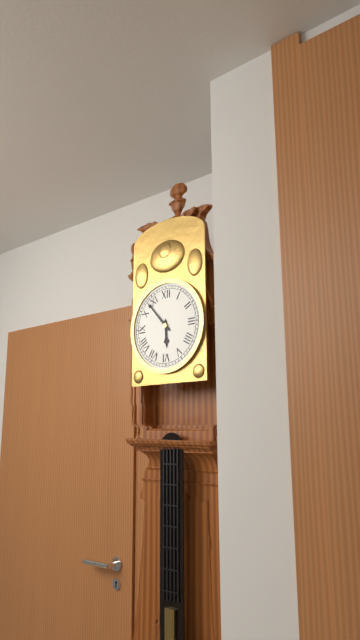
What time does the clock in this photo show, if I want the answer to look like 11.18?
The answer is 5.53
